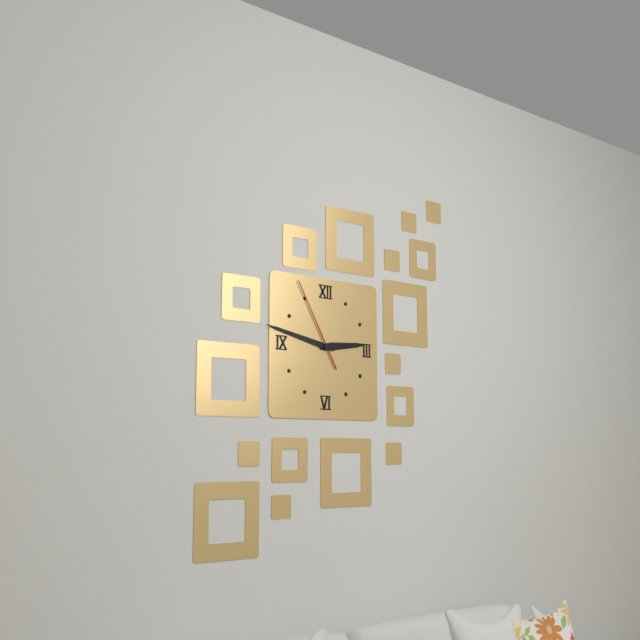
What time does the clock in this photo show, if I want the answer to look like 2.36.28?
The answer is 2.47.55
